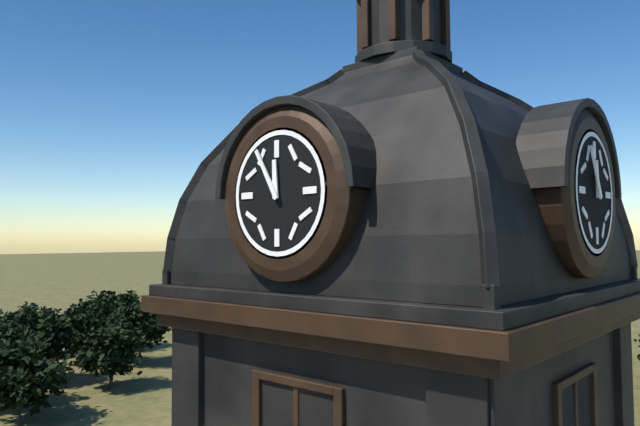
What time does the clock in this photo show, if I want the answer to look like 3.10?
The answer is 11.55
